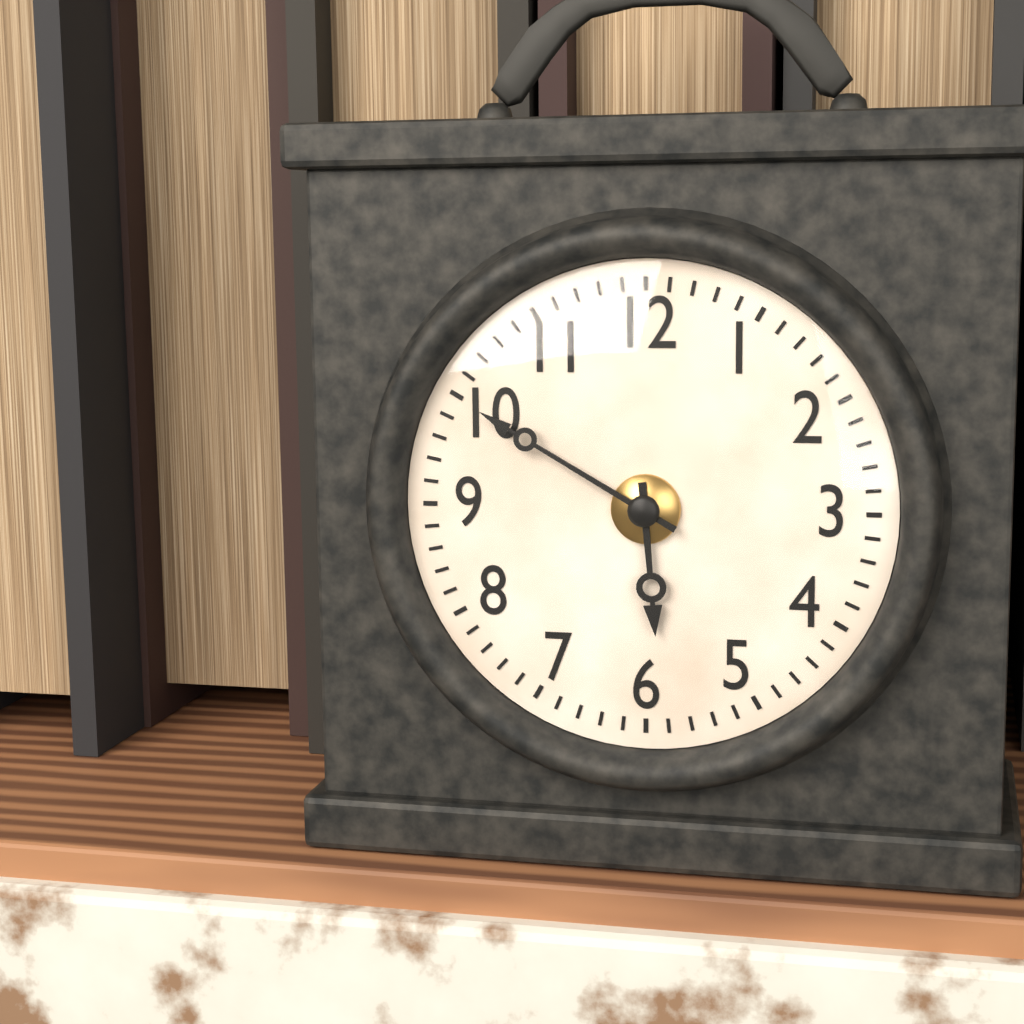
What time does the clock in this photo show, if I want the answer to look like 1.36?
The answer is 5.50
